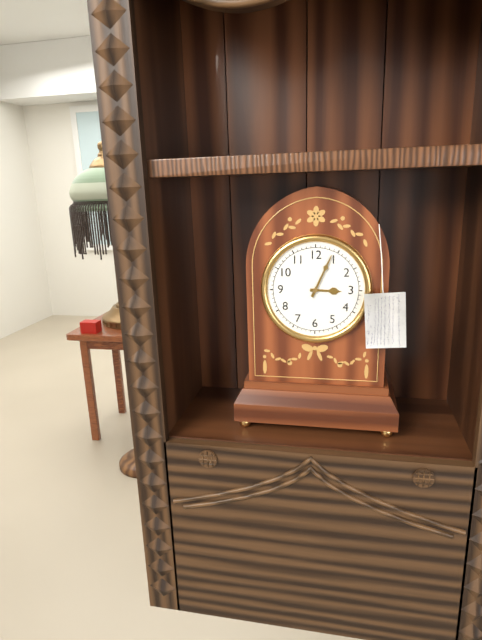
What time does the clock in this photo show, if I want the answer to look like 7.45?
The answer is 3.04
